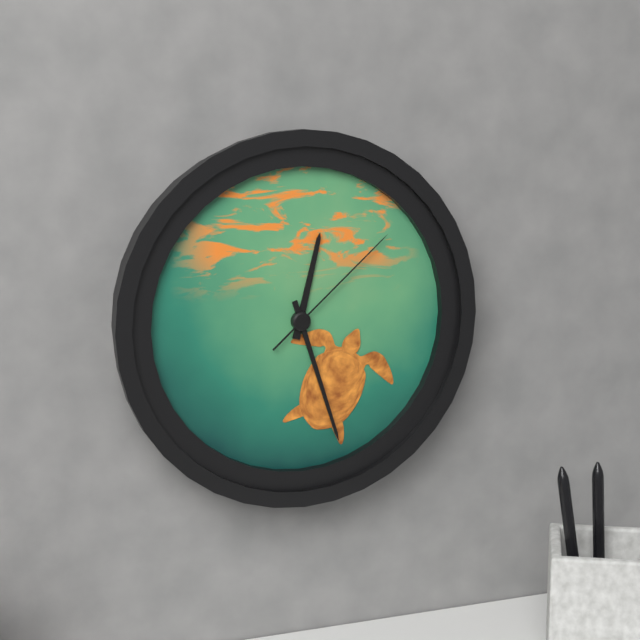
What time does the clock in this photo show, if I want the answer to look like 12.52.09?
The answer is 12.27.08
